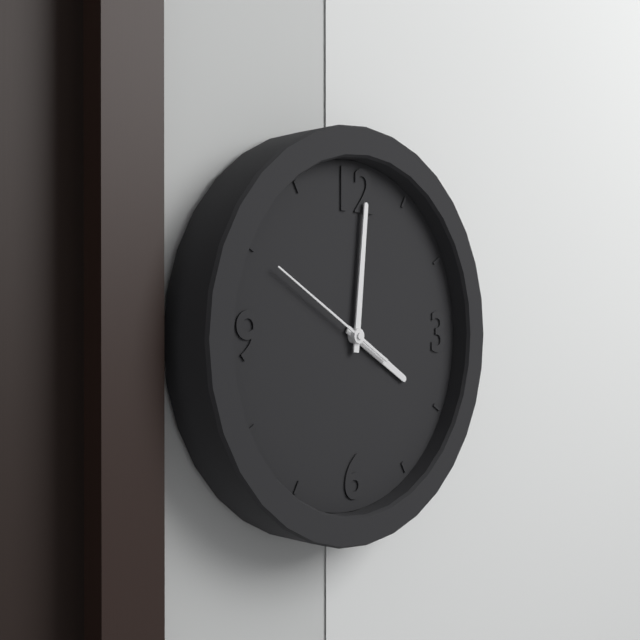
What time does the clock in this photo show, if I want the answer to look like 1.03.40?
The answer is 4.01.50
